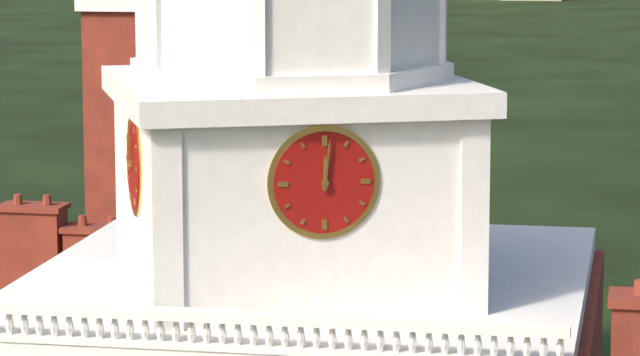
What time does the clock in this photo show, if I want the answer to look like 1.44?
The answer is 12.01
